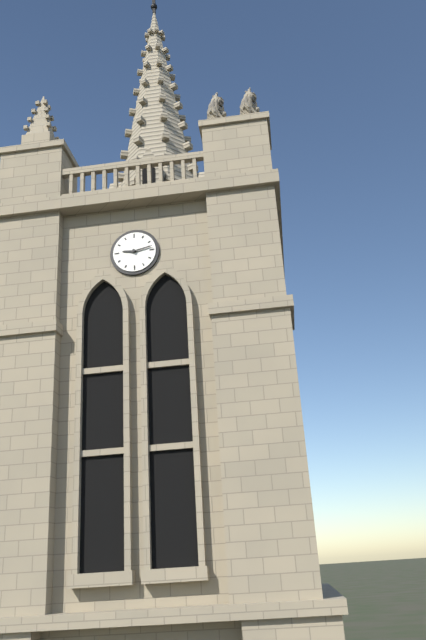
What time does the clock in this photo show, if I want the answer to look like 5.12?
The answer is 9.13
